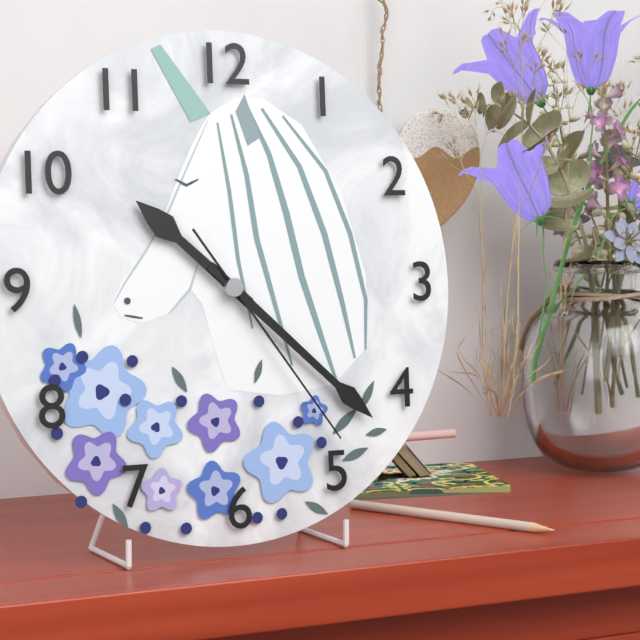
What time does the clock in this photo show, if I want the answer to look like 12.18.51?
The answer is 10.22.24
